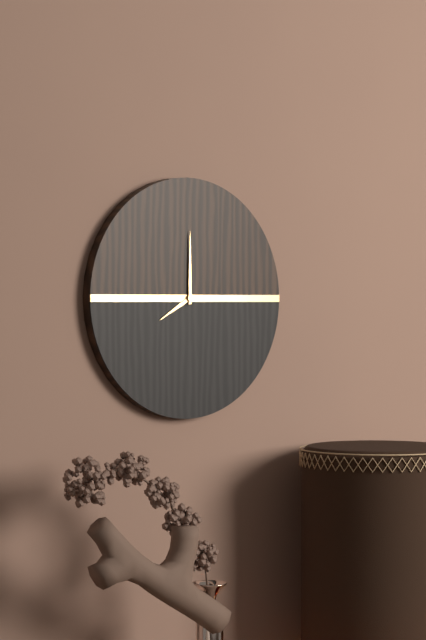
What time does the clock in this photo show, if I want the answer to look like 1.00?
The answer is 8.00
